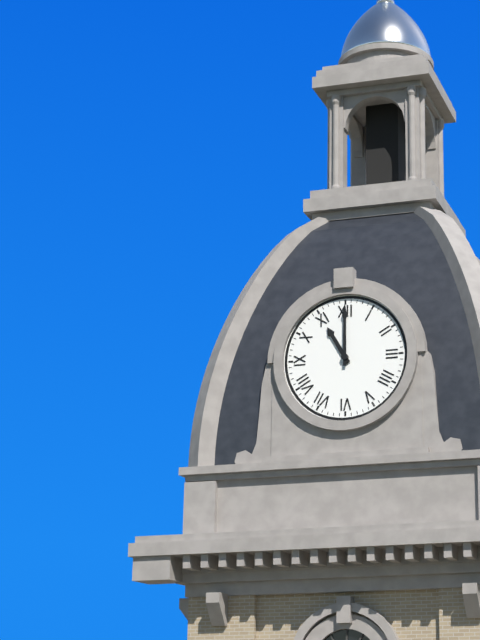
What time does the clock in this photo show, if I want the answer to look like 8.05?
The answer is 11.00
